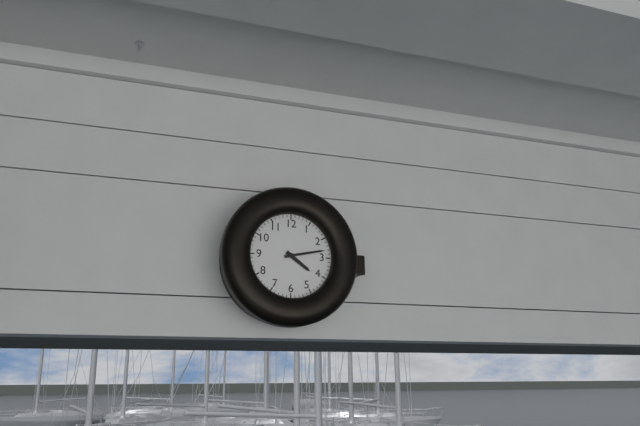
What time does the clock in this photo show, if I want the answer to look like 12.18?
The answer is 4.13
